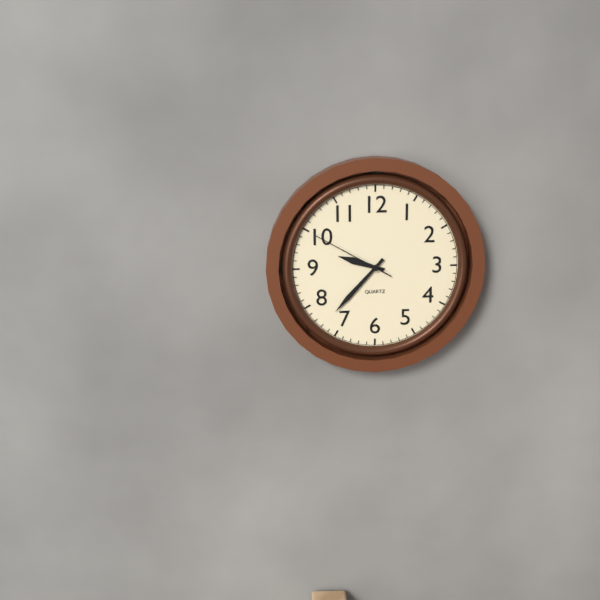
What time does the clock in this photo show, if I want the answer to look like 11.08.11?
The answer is 9.37.50
